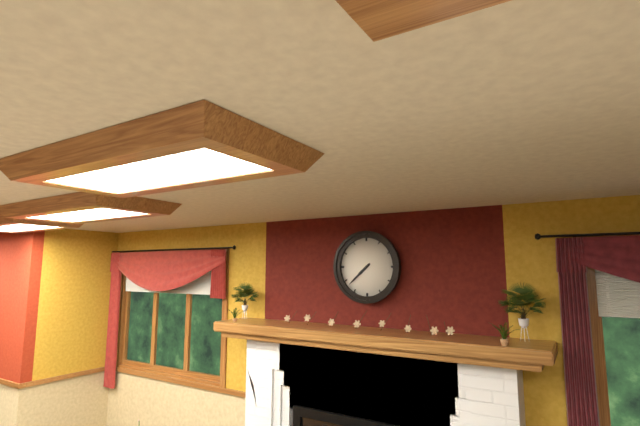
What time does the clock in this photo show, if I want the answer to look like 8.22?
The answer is 7.38
